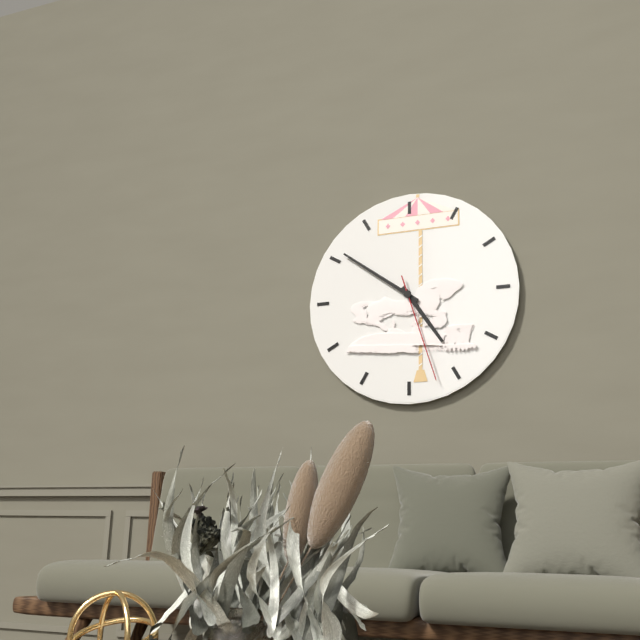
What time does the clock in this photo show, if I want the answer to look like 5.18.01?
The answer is 4.51.27
